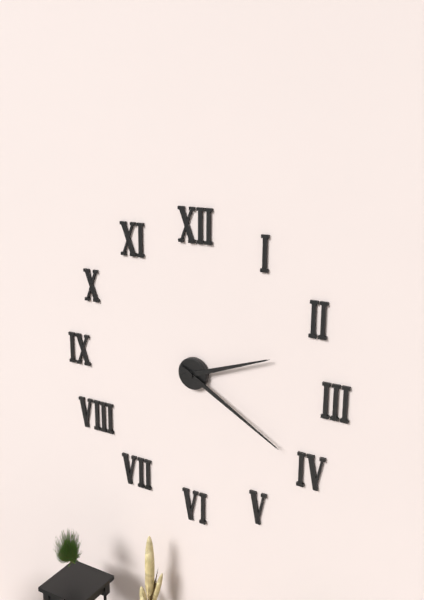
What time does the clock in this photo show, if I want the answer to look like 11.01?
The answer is 2.20
